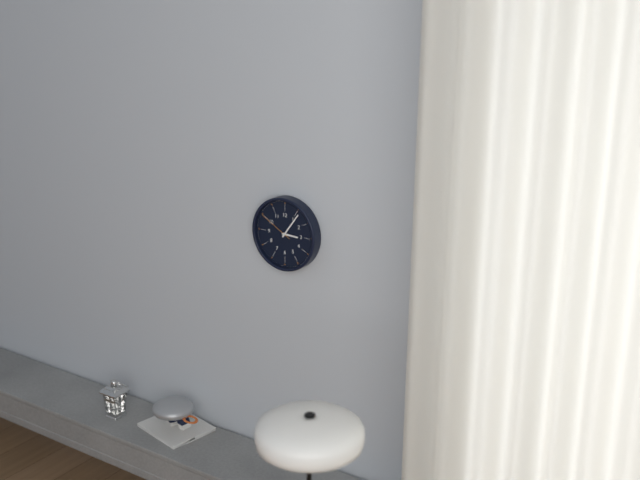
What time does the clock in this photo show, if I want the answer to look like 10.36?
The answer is 3.06
